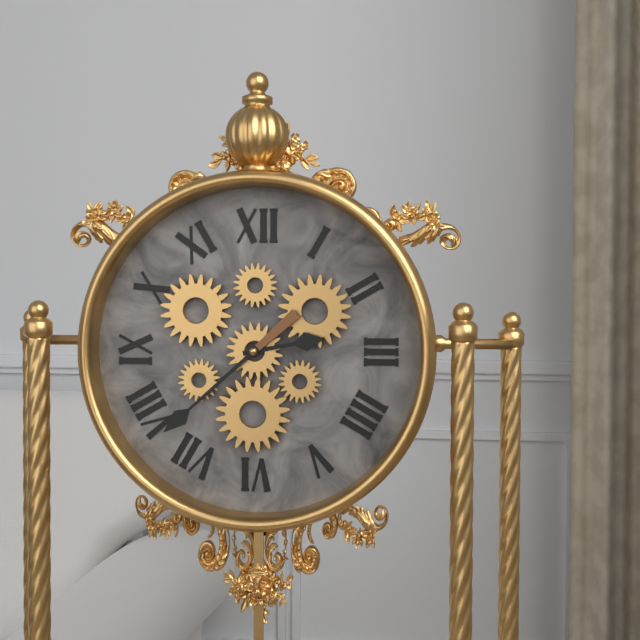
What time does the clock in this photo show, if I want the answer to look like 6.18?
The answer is 2.38
